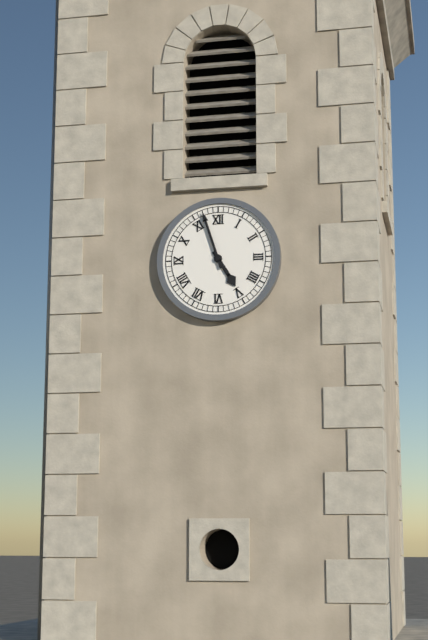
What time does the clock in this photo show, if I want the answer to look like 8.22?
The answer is 4.57
